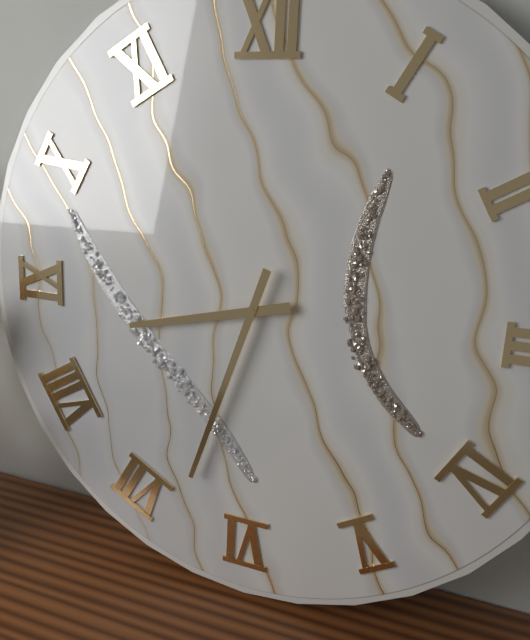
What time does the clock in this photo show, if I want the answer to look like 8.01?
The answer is 8.33
